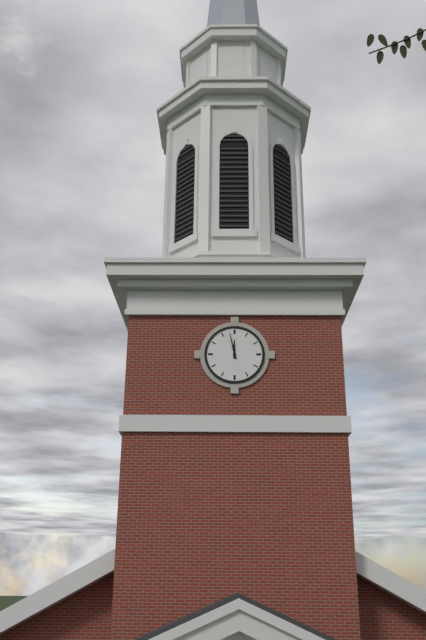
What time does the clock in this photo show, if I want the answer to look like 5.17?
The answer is 11.58
